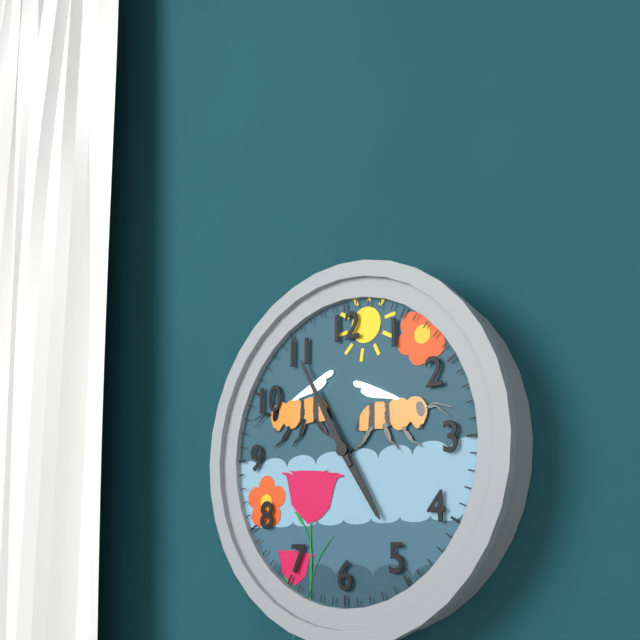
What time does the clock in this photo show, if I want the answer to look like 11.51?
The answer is 4.55
